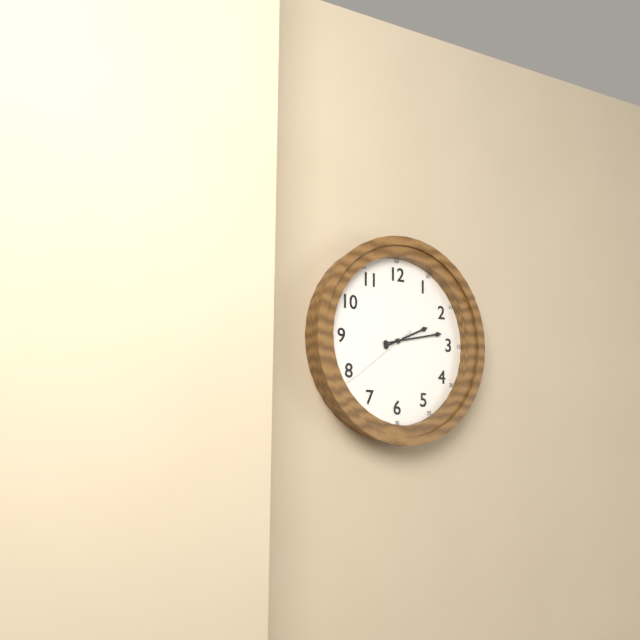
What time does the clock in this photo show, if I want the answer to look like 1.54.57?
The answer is 2.13.39
